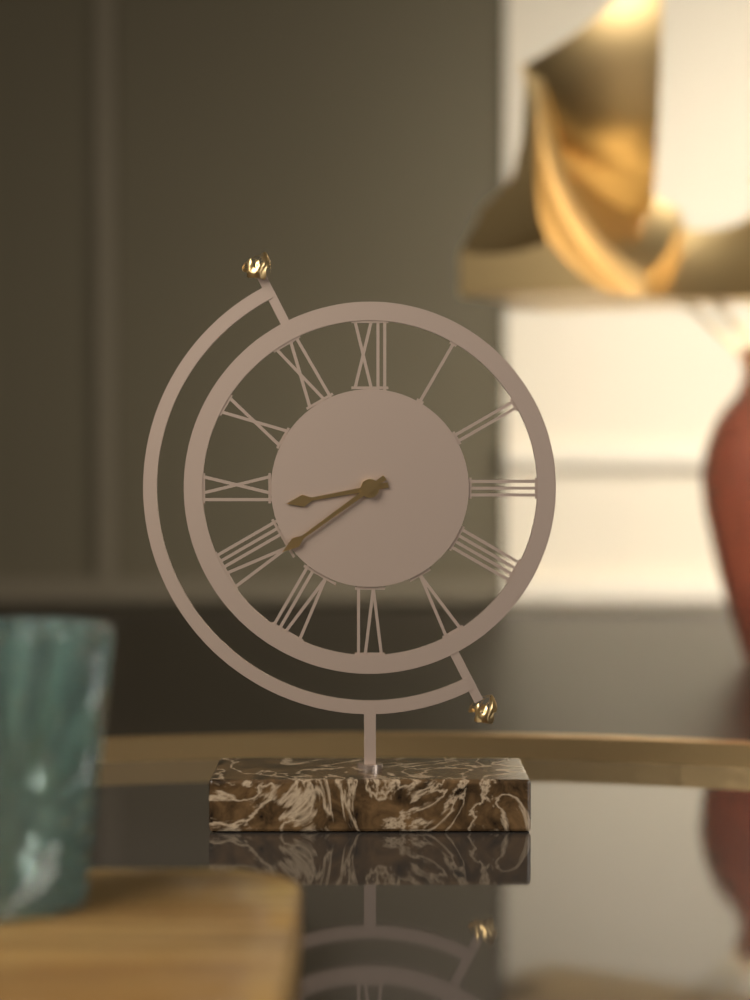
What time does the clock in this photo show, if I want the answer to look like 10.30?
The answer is 8.39
